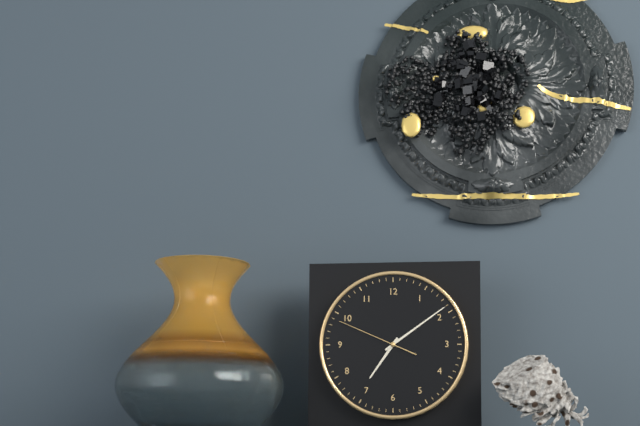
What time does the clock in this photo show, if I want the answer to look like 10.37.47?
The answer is 7.09.49
